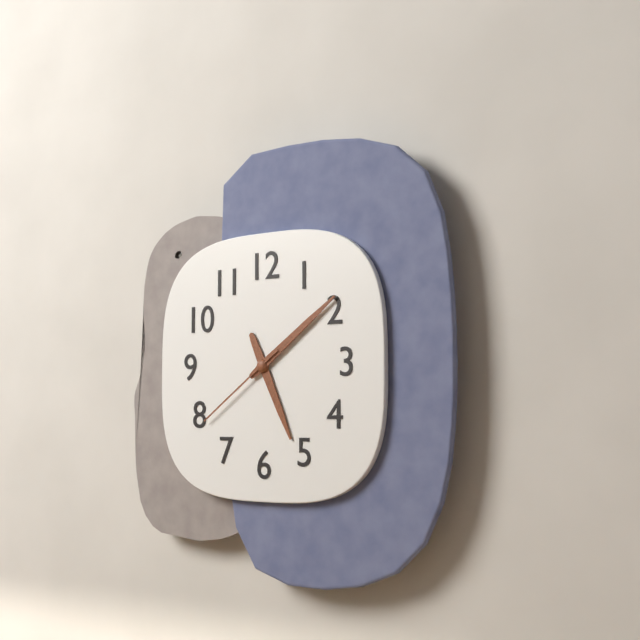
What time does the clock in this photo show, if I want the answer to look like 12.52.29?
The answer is 5.09.39
